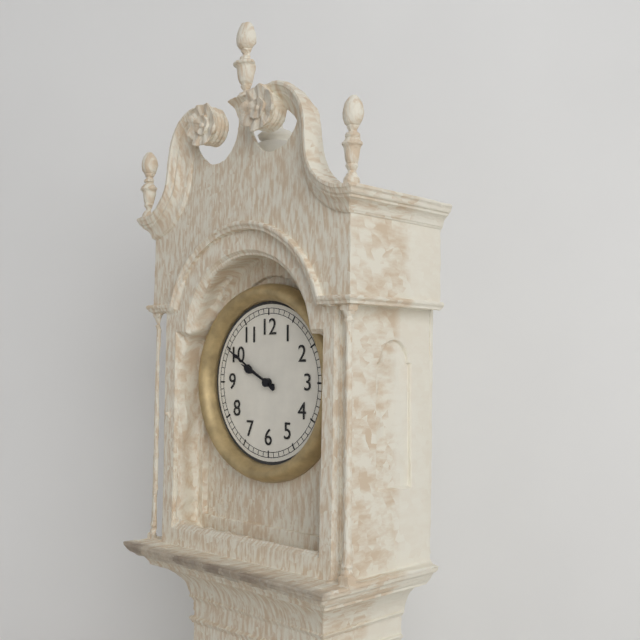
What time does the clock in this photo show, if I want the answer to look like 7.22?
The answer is 9.50
